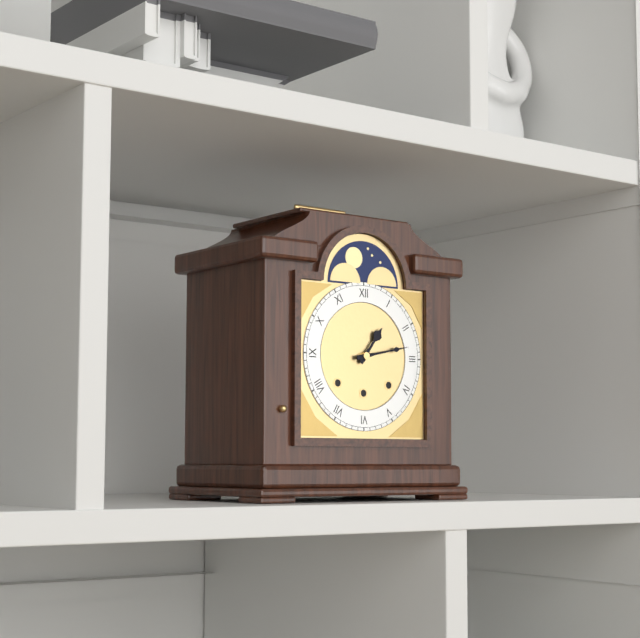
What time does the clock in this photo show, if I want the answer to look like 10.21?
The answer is 1.13
